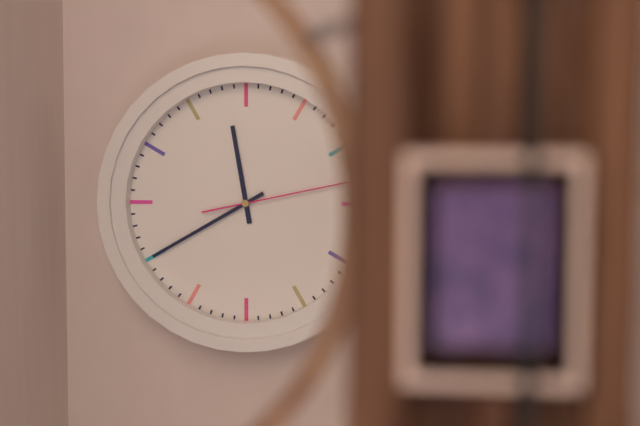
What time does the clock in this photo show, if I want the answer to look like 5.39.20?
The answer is 11.40.13
